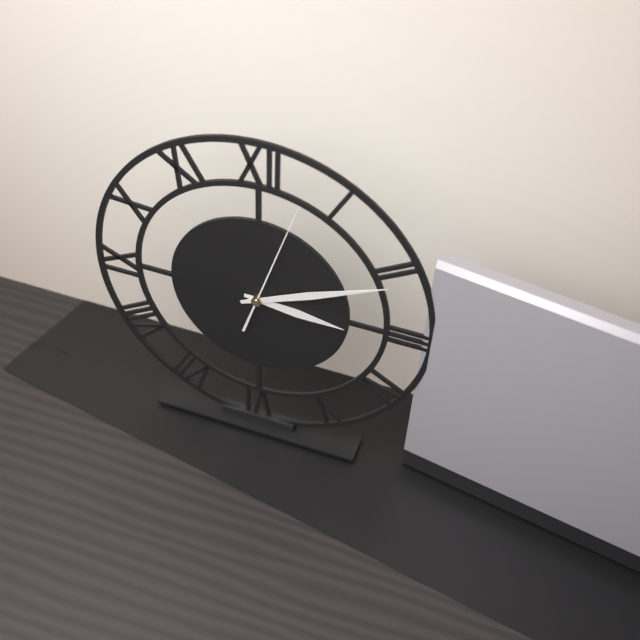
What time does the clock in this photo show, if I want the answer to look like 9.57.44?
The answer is 3.11.03
